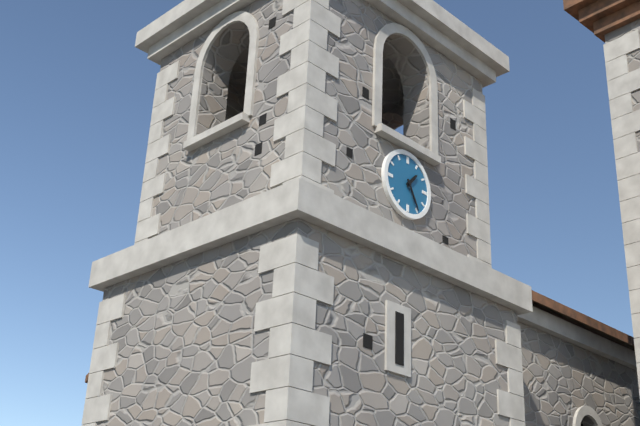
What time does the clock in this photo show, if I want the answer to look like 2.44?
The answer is 1.25
